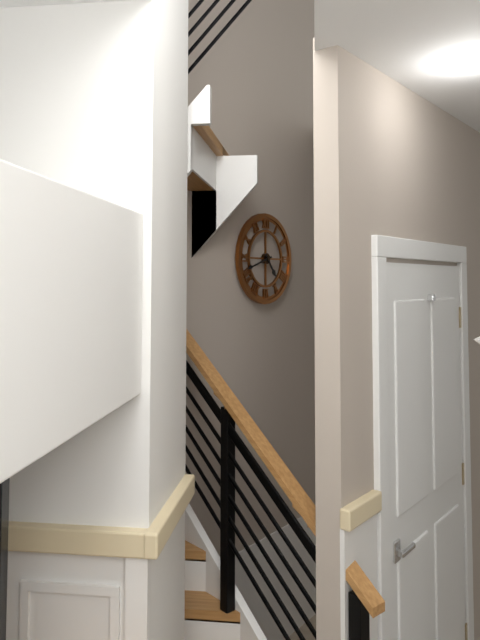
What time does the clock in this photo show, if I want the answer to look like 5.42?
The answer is 4.42
